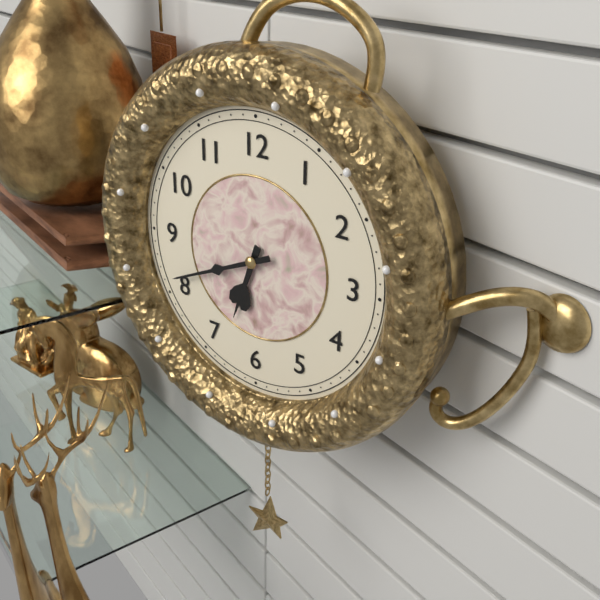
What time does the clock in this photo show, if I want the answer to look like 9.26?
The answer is 6.41
